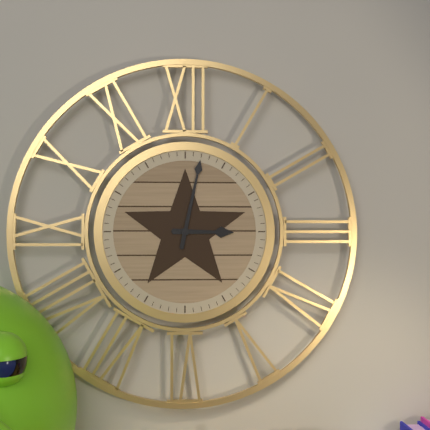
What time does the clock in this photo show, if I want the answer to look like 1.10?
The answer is 3.02
